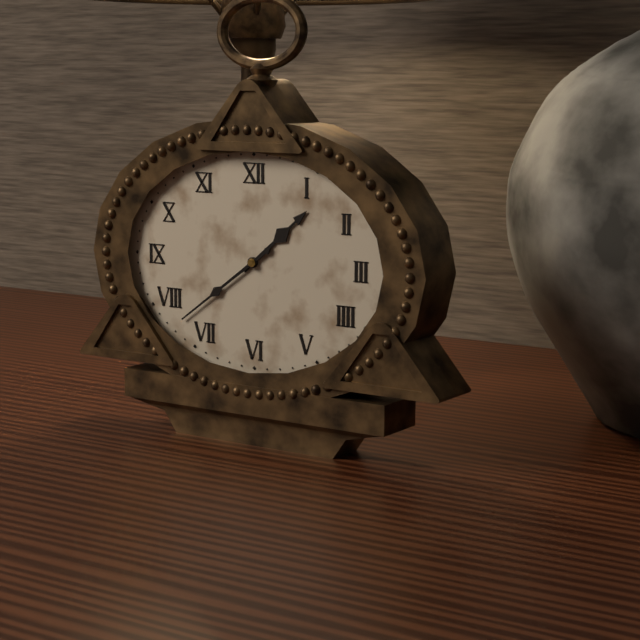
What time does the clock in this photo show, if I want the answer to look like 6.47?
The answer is 1.39
